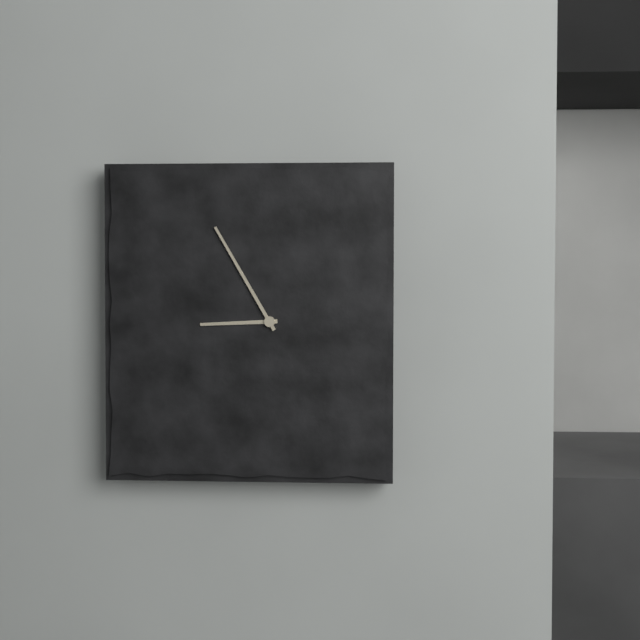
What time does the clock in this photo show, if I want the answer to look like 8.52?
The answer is 8.55
